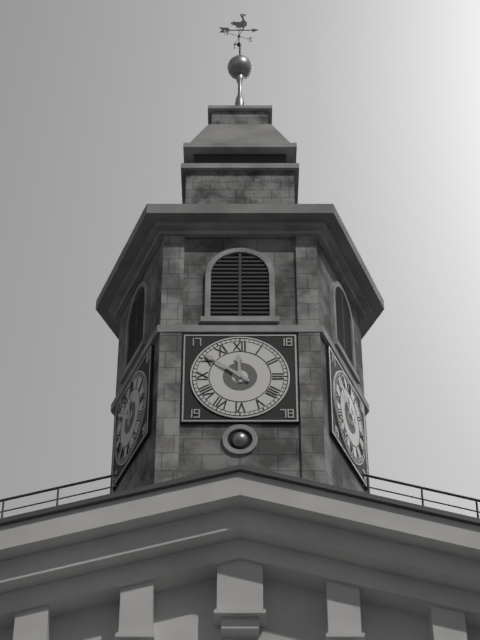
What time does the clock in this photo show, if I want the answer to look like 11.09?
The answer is 11.51
